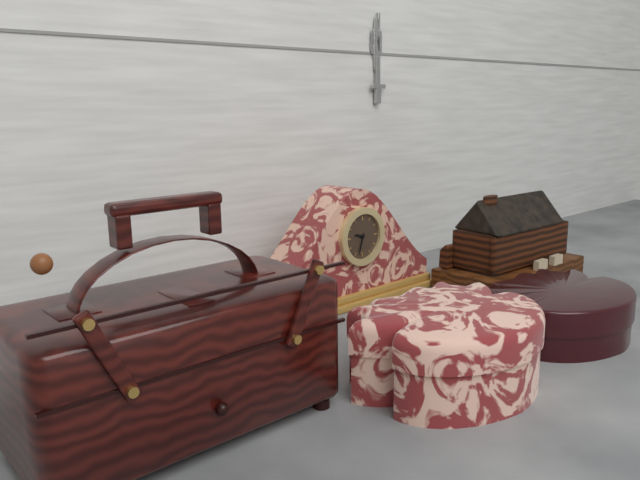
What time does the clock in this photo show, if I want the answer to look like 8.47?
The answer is 9.33
